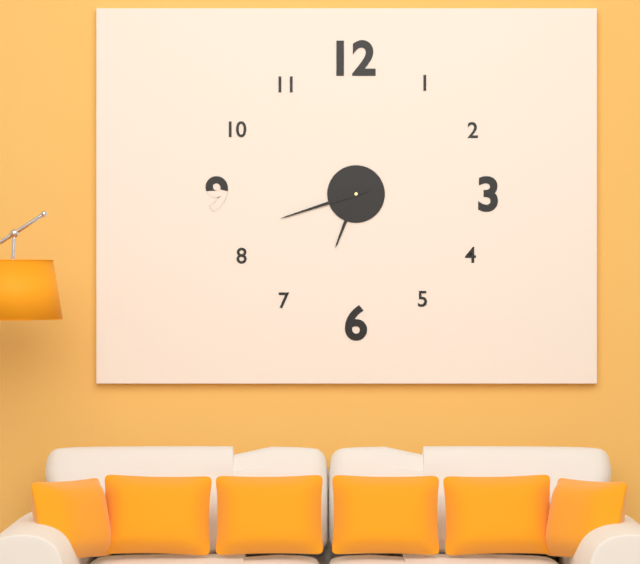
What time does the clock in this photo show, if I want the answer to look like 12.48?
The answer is 6.42
